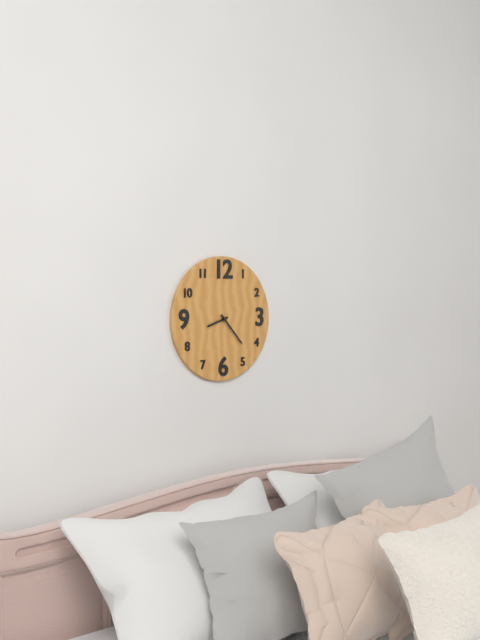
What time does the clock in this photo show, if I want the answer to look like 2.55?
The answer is 8.23
